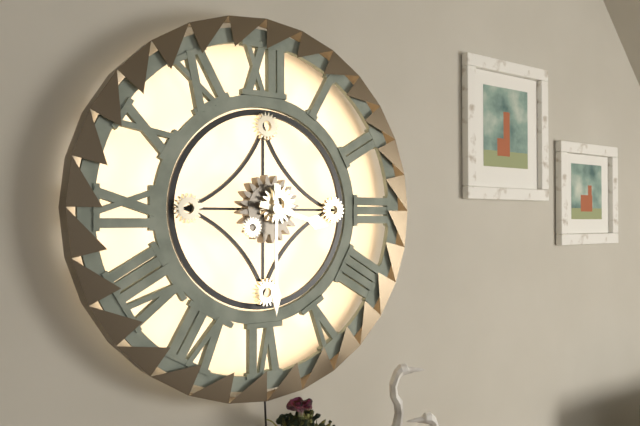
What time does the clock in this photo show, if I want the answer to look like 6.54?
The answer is 3.30
